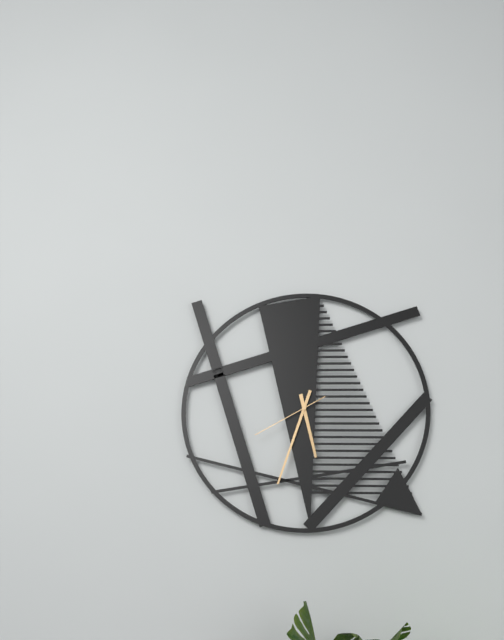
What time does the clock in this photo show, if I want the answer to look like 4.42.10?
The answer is 5.33.40
